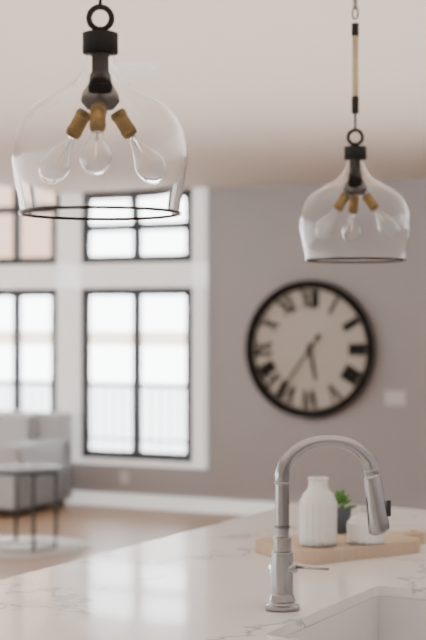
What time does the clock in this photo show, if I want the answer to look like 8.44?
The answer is 5.36
